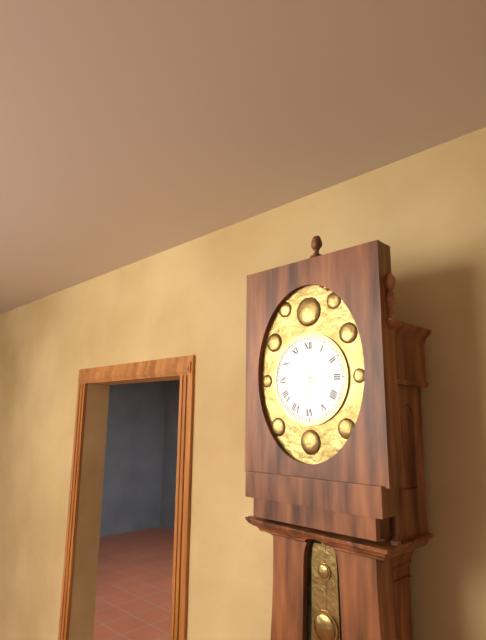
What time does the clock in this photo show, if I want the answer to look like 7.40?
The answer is 6.49
